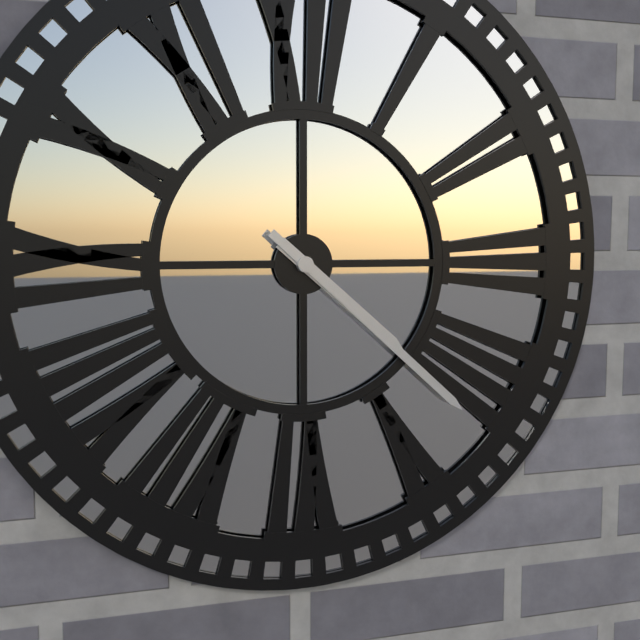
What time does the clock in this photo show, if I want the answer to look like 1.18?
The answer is 4.22
